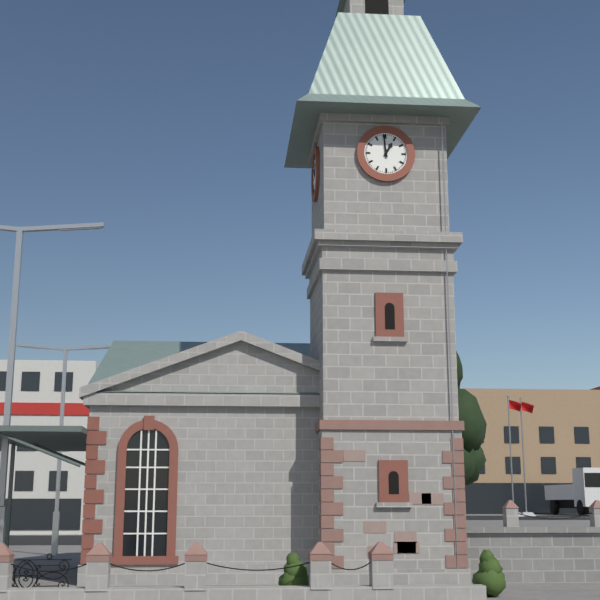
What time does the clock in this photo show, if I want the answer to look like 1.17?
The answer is 12.59
